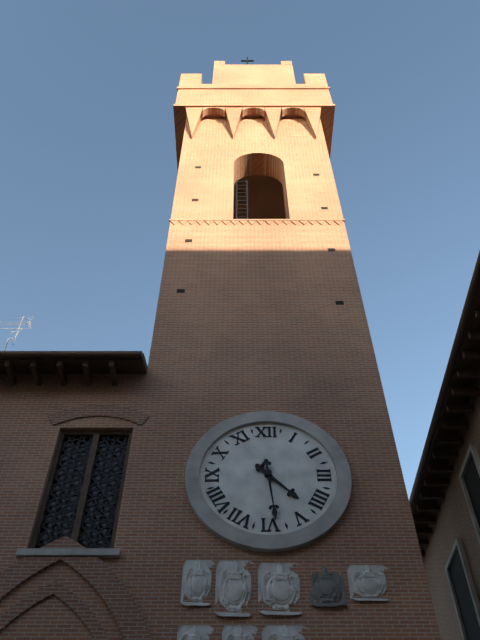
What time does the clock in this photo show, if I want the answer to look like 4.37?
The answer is 4.29
